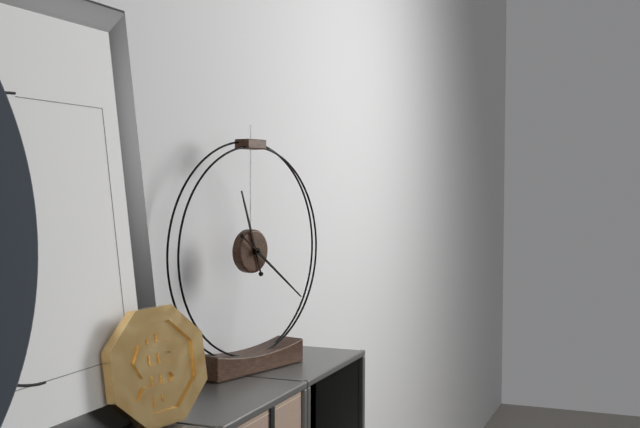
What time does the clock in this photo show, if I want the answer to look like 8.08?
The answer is 11.21
